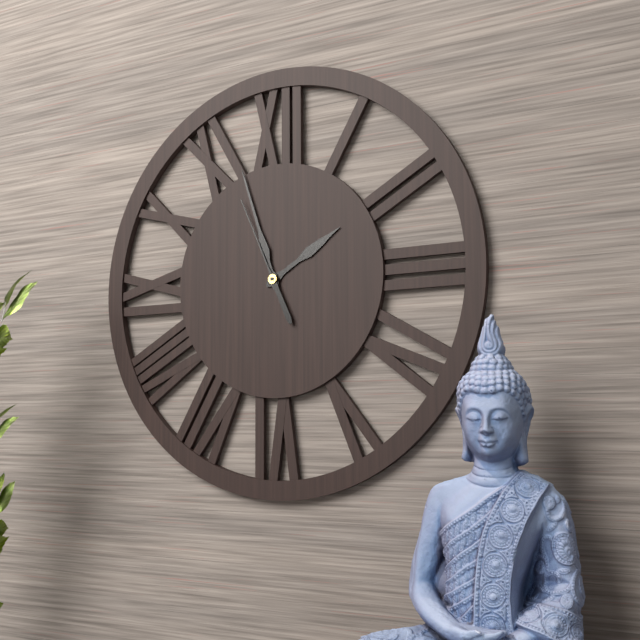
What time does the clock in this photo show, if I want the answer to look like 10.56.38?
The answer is 1.57.56
